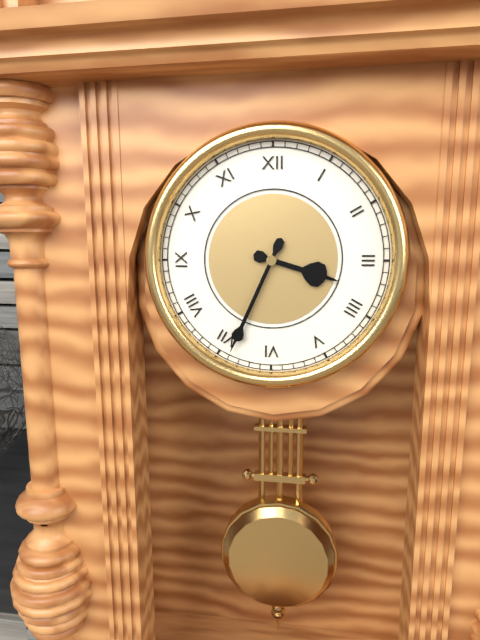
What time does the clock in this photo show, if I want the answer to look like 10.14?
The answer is 3.34
